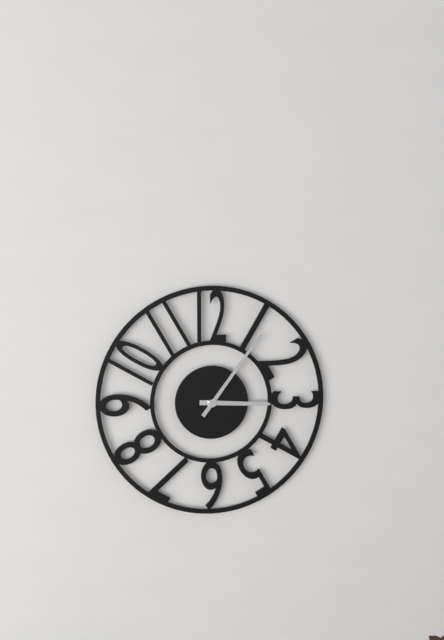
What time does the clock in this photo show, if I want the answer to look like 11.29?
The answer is 3.06
